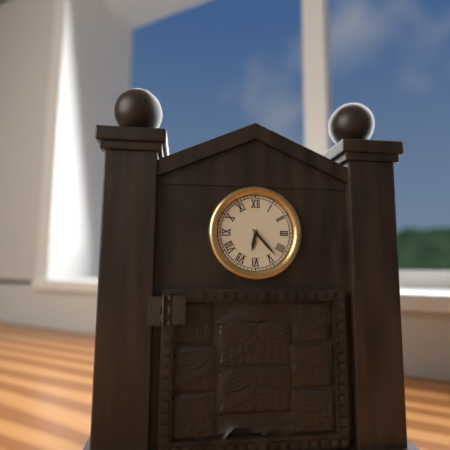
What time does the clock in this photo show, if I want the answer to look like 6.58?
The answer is 6.23
